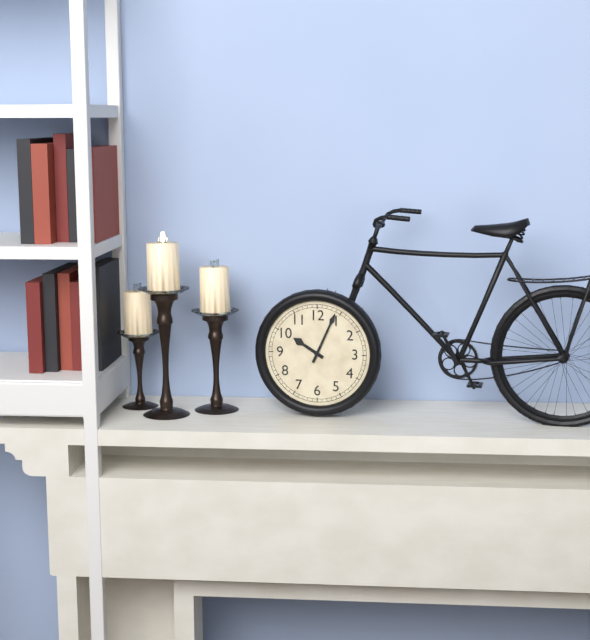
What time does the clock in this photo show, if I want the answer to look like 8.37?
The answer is 10.04
